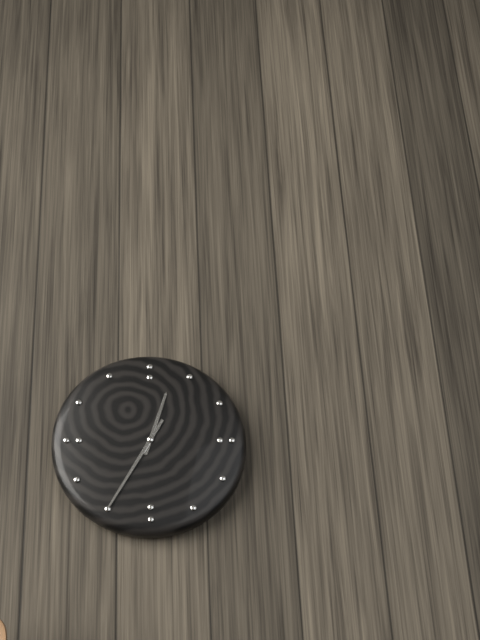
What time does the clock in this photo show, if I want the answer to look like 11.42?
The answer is 12.35
